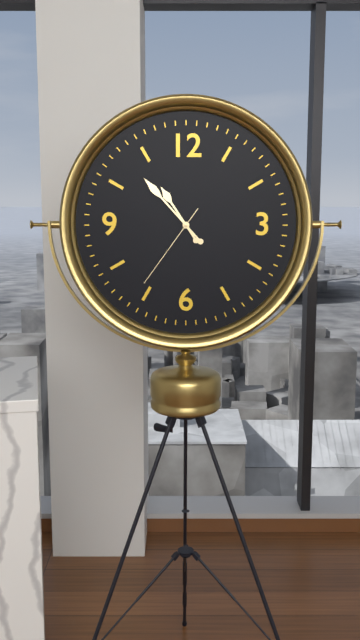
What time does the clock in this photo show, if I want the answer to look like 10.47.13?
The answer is 10.53.36
